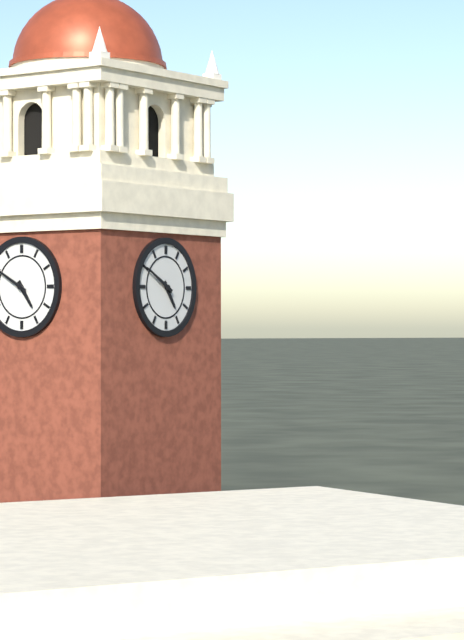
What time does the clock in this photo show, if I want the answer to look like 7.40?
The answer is 4.50
